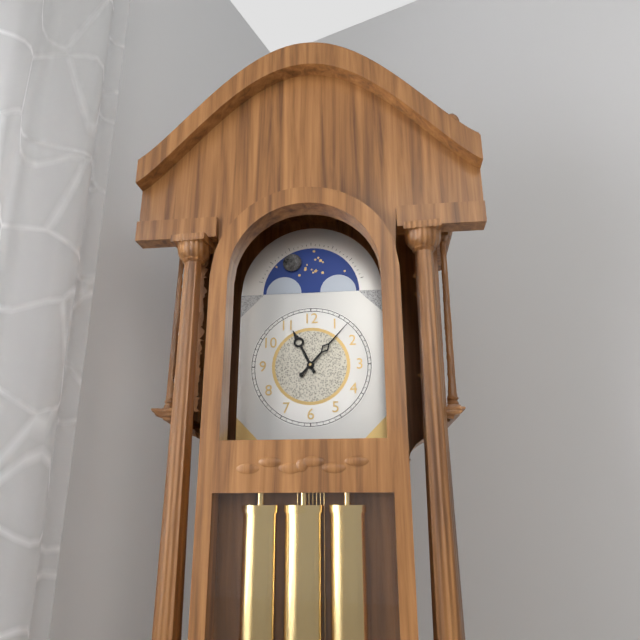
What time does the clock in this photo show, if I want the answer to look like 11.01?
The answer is 11.07
